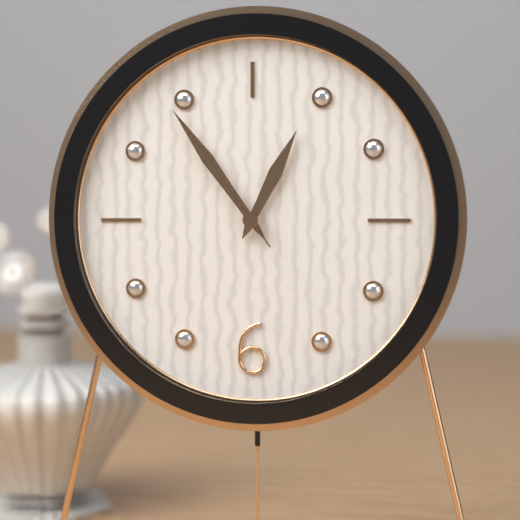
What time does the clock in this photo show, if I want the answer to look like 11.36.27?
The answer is 12.54.54
